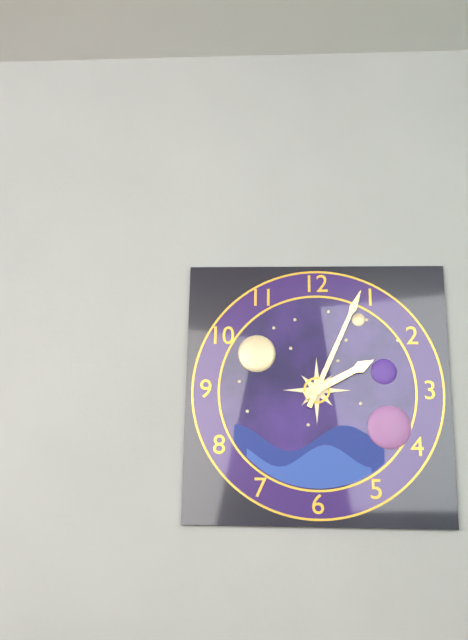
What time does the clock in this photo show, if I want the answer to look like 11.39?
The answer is 2.04
